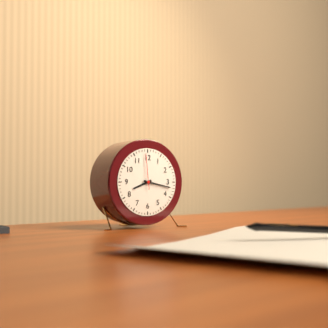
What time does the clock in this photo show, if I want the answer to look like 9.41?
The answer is 8.17
